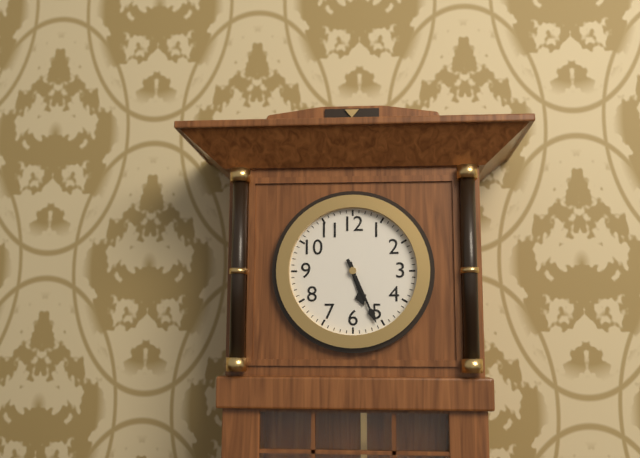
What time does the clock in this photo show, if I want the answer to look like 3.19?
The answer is 5.26
